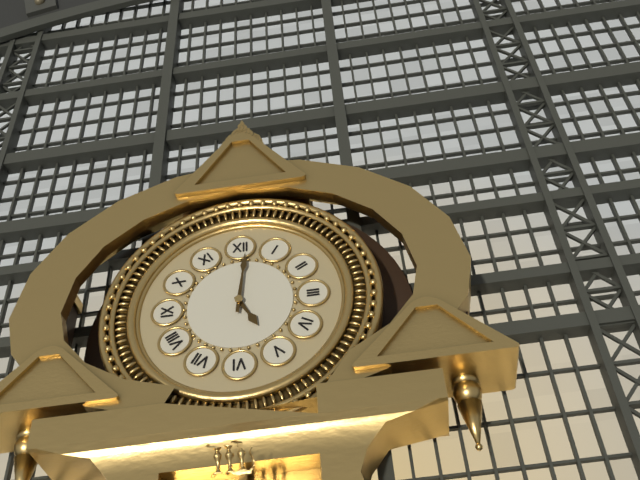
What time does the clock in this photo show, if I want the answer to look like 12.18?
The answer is 5.01
